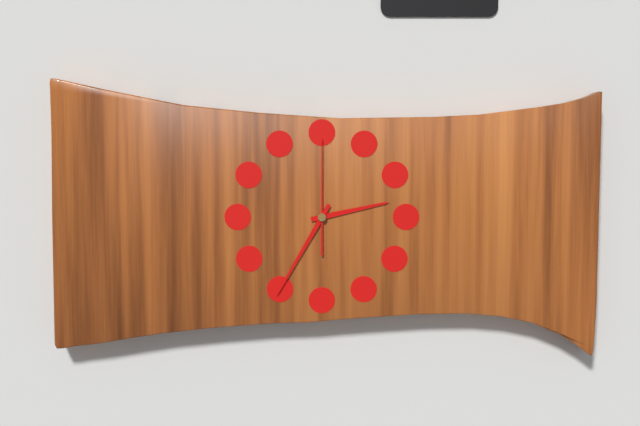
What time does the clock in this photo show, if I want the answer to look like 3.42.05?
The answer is 2.35.00
